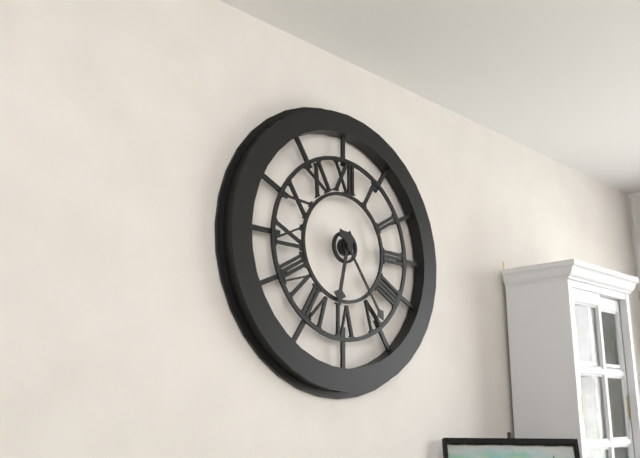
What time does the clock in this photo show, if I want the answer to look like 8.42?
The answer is 6.24
